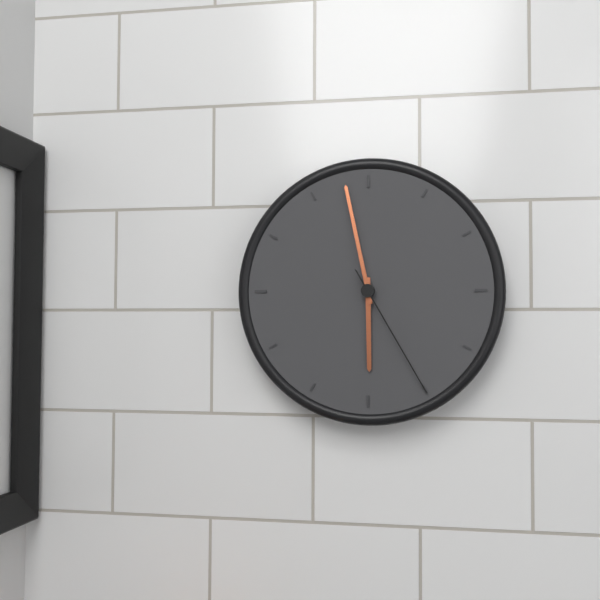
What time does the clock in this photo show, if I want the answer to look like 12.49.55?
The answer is 5.58.25
